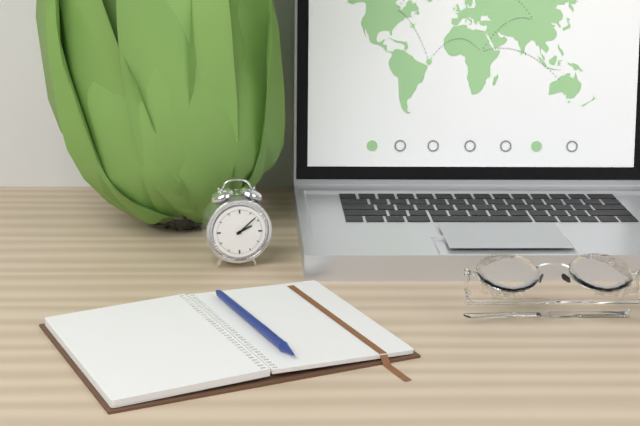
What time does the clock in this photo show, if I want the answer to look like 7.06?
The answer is 2.08
